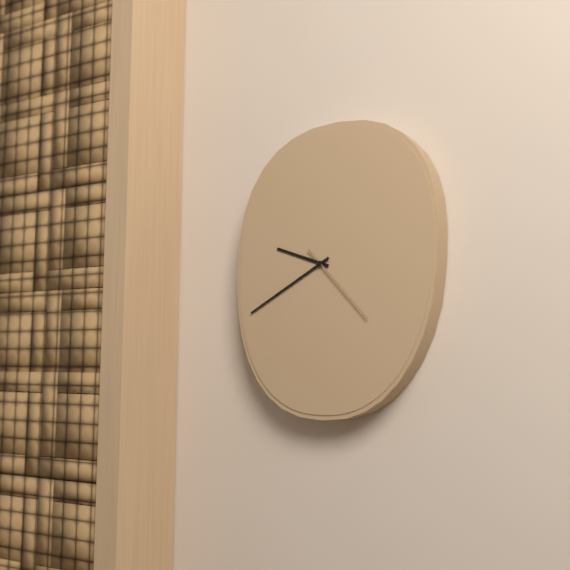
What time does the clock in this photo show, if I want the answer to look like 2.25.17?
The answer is 9.40.23
